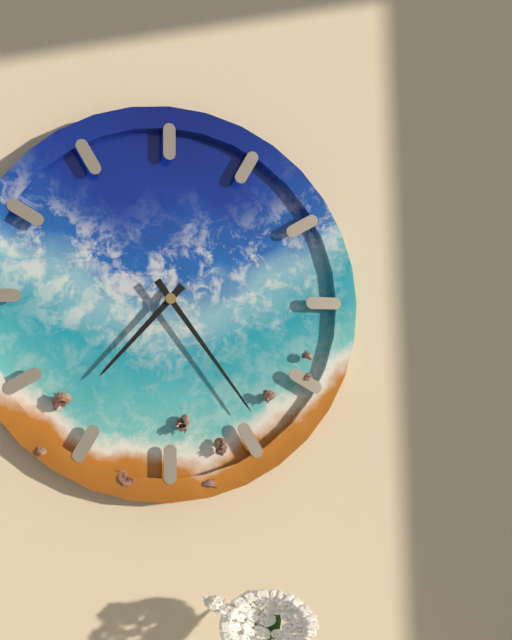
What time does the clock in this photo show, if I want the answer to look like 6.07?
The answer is 7.24
